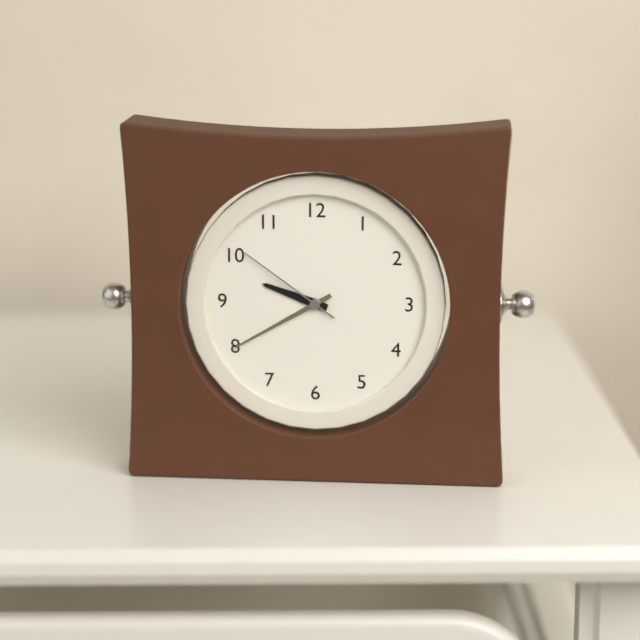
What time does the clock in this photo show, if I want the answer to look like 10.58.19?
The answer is 9.40.51
